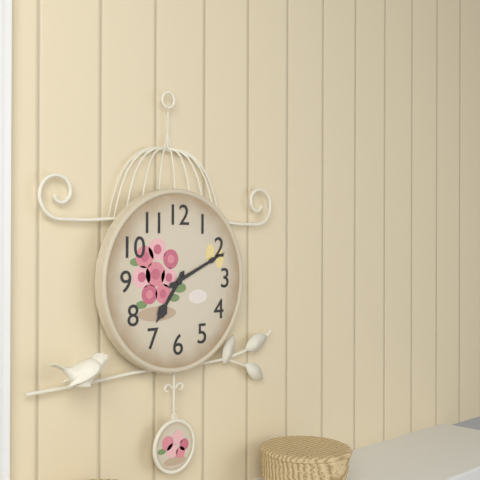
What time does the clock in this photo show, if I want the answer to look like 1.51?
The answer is 7.11
